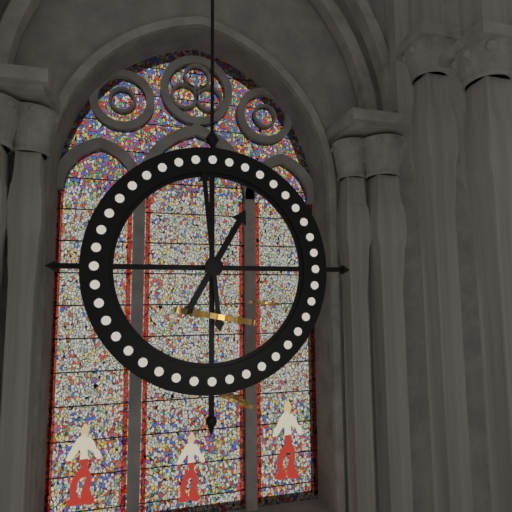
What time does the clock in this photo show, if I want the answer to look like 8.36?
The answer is 12.59
